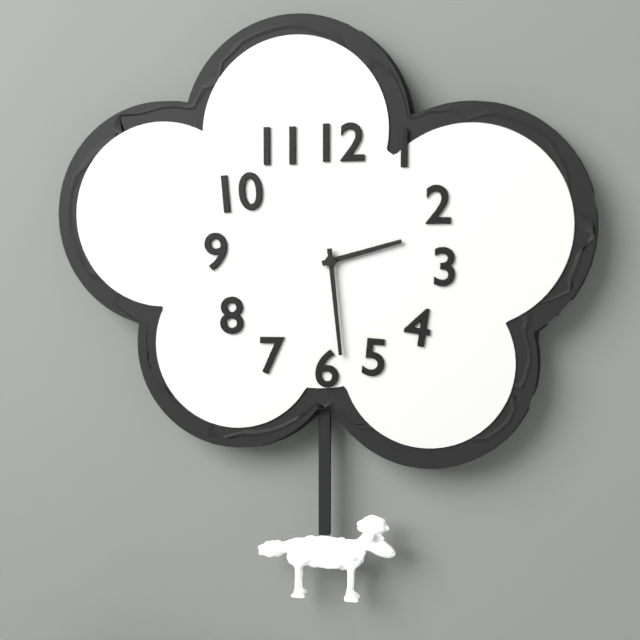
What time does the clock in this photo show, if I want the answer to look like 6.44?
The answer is 2.29
